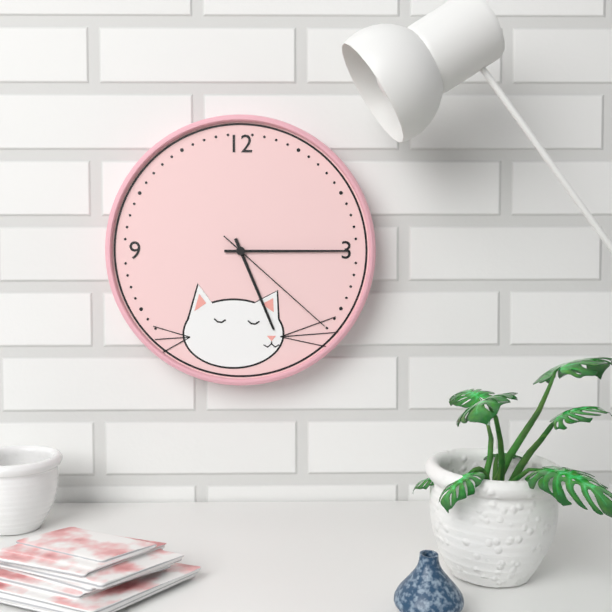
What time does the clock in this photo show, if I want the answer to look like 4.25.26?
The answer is 5.15.22
